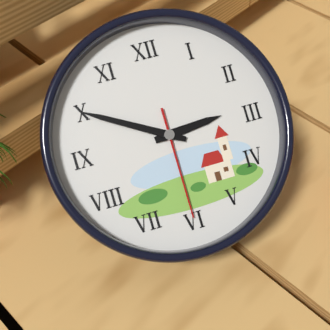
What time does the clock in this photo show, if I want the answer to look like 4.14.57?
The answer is 2.50.30
